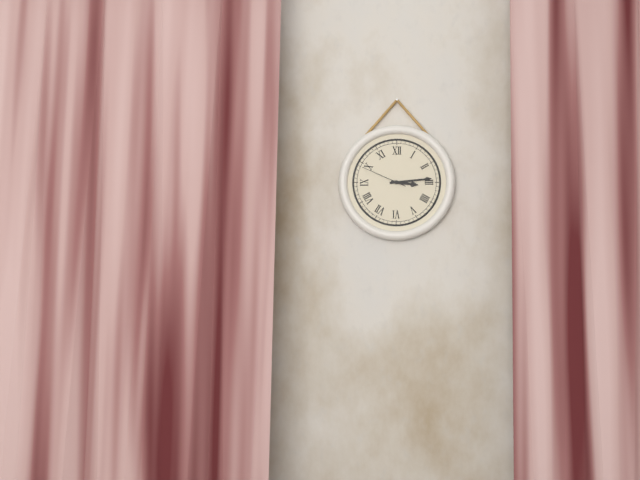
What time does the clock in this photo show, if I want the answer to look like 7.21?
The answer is 3.14
